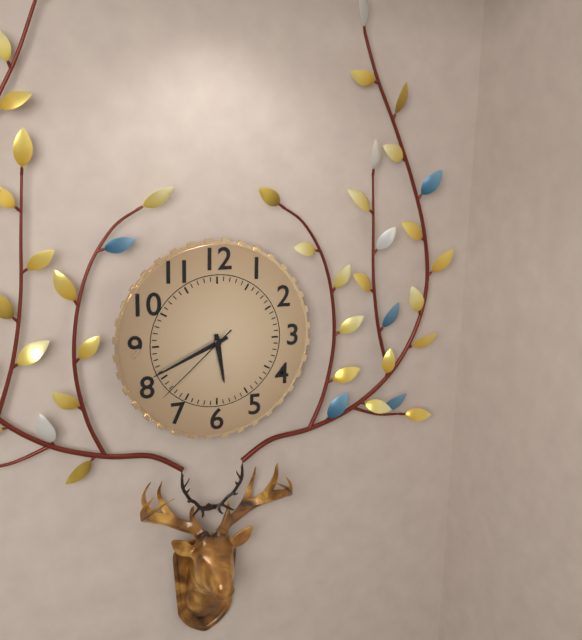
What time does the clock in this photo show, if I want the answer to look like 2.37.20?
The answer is 5.41.38
